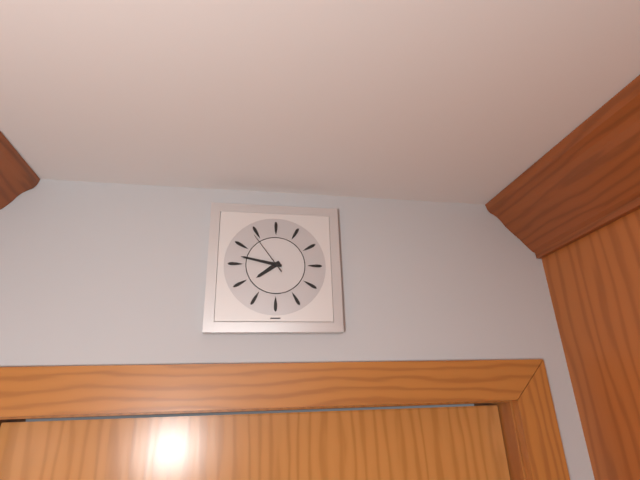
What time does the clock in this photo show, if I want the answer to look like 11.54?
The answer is 7.47
